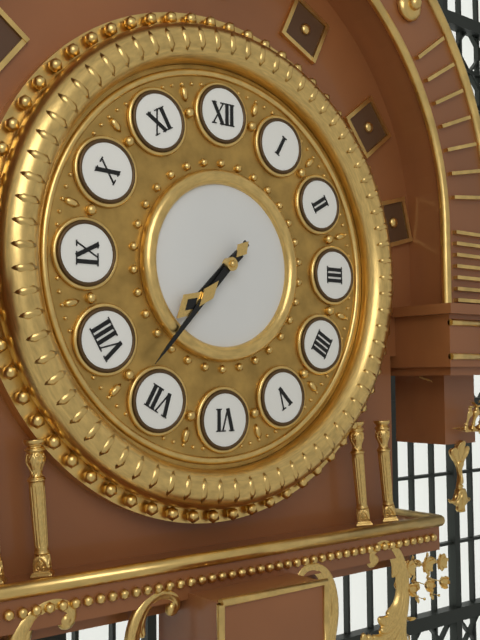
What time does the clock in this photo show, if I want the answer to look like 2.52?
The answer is 7.37
